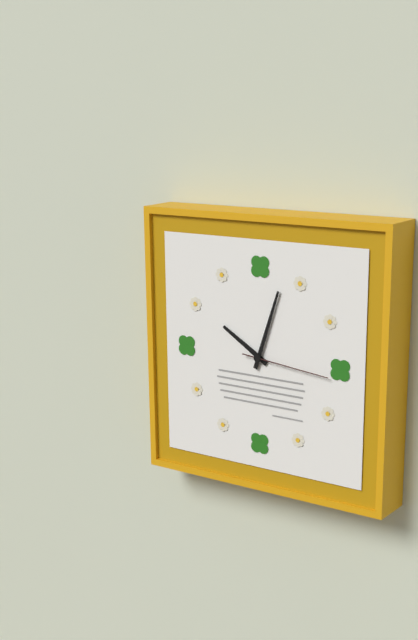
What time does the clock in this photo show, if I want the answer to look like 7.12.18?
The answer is 10.03.16
